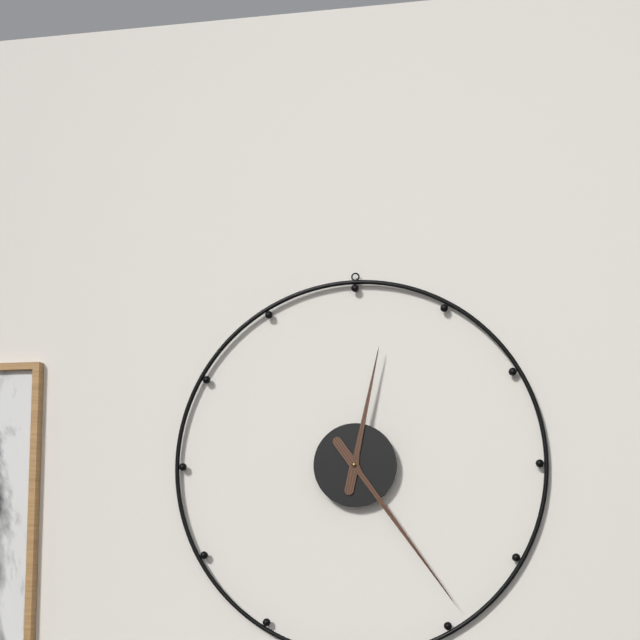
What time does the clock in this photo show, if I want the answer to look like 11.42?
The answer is 12.24
